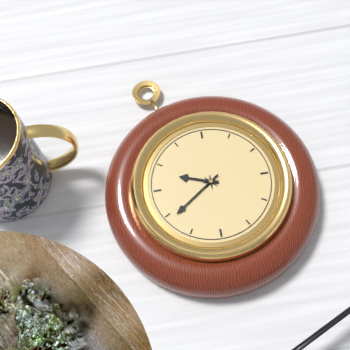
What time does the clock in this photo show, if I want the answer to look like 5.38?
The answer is 9.39
